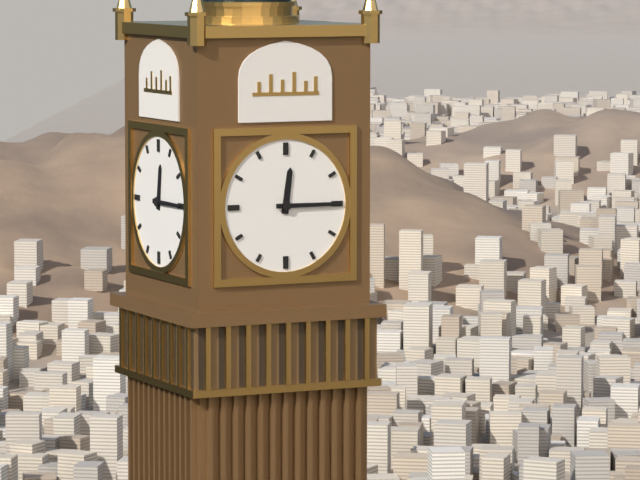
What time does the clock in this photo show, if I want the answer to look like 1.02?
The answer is 12.15
